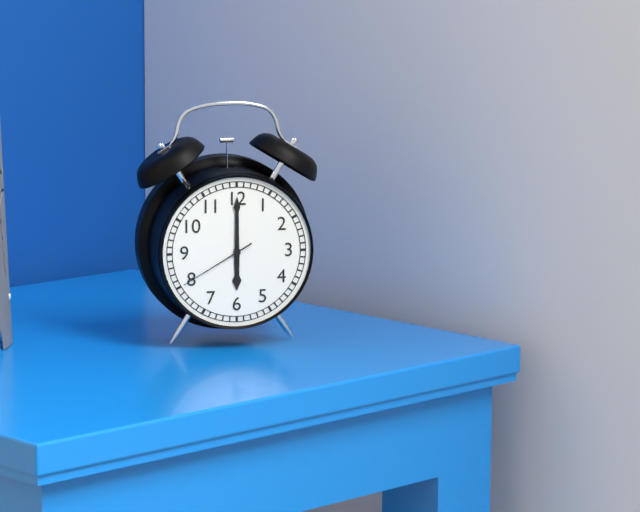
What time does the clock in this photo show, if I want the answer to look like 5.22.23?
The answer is 6.00.40
